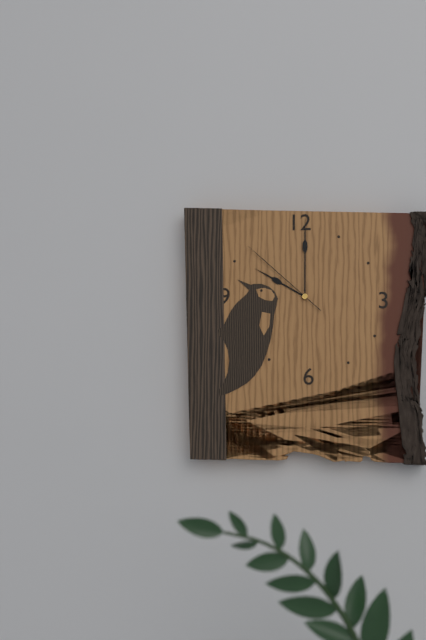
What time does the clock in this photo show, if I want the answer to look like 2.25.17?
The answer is 10.00.52
